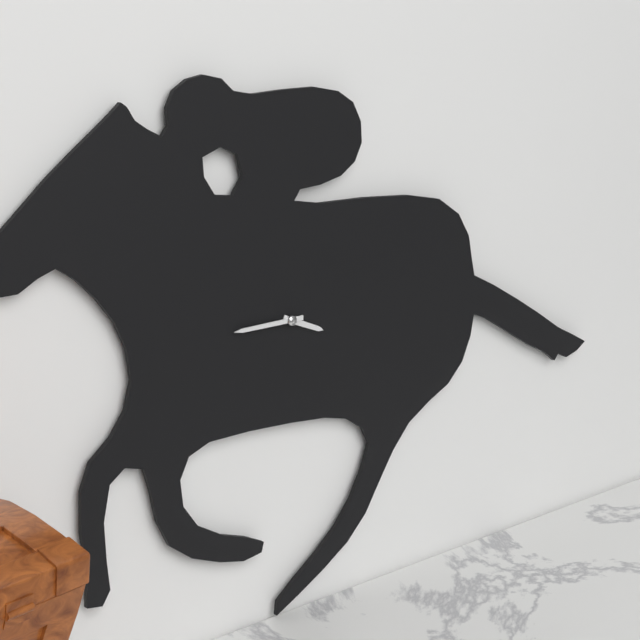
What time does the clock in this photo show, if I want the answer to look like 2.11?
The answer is 3.45
